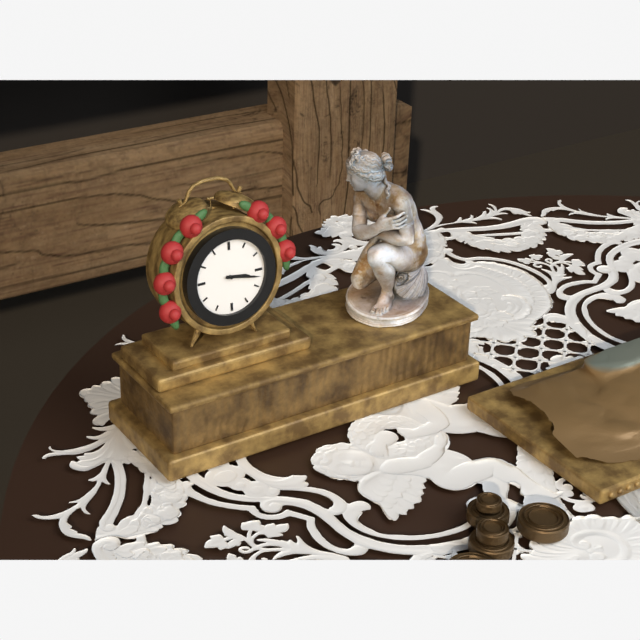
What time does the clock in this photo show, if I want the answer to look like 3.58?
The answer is 3.17
